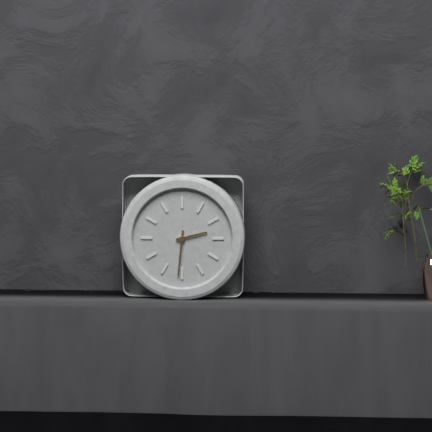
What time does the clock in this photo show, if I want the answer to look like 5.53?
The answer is 2.31
